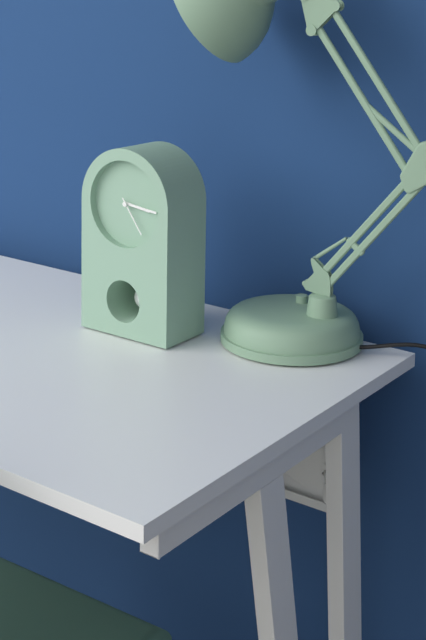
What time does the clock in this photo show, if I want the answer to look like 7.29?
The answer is 3.16
